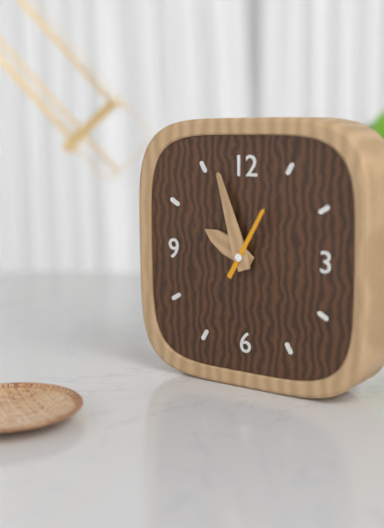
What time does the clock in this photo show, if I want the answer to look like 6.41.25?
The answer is 9.57.05
